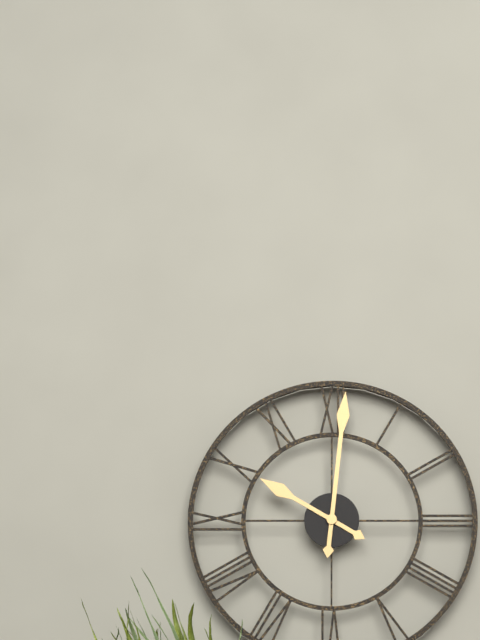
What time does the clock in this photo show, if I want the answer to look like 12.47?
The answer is 10.01
